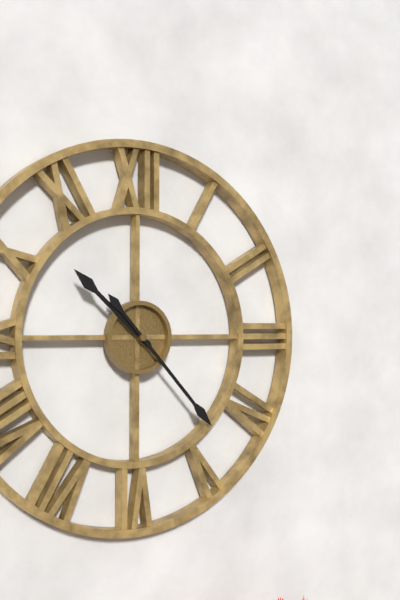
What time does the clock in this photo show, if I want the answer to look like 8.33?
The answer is 10.23
